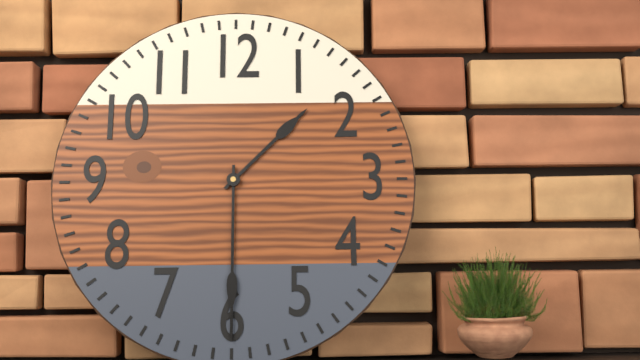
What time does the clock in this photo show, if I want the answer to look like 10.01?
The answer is 1.30
